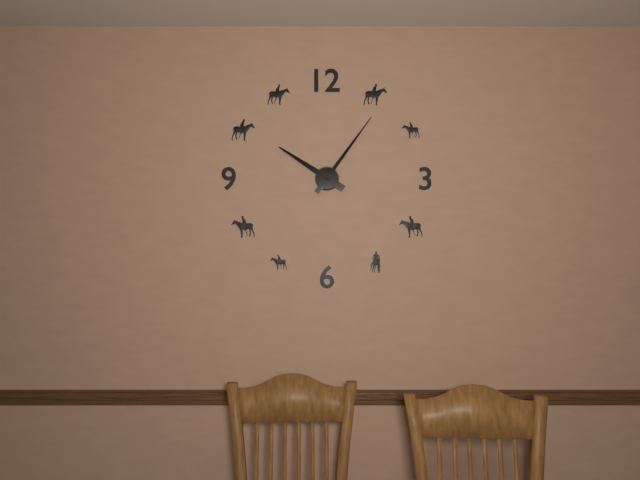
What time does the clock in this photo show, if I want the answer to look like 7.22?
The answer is 10.06
